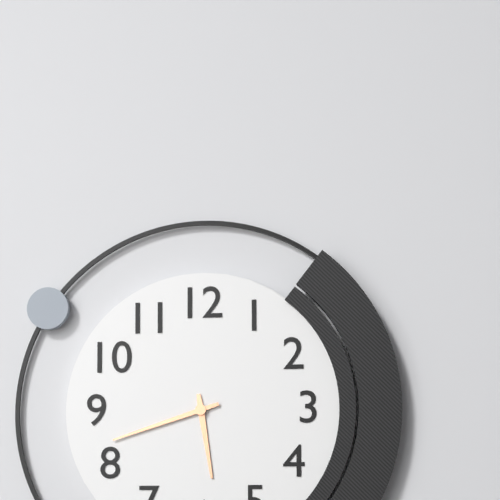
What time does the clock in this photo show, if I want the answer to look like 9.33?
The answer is 5.42
